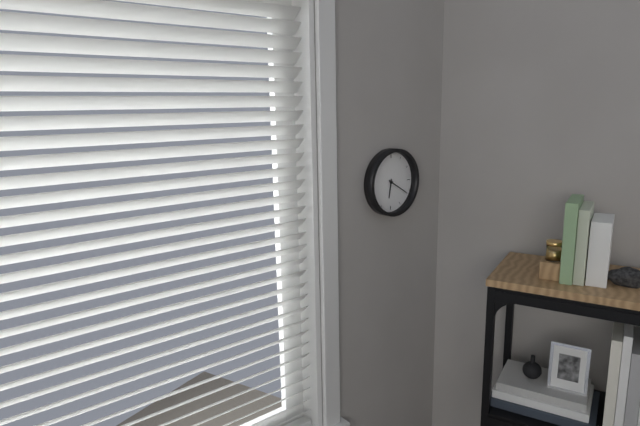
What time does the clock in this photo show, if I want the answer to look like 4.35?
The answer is 6.20
